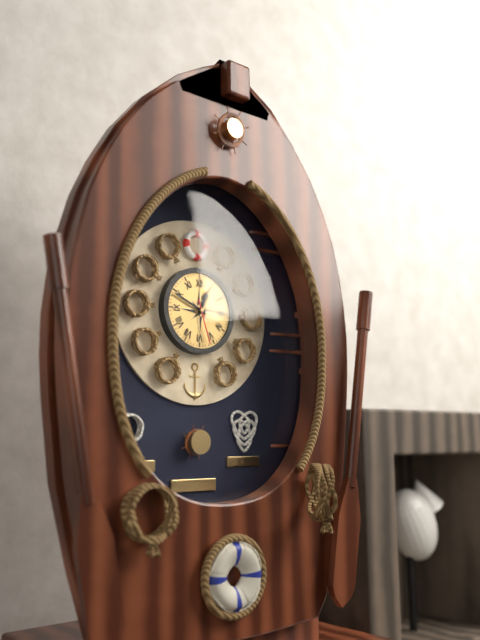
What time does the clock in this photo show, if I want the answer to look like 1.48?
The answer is 12.49
